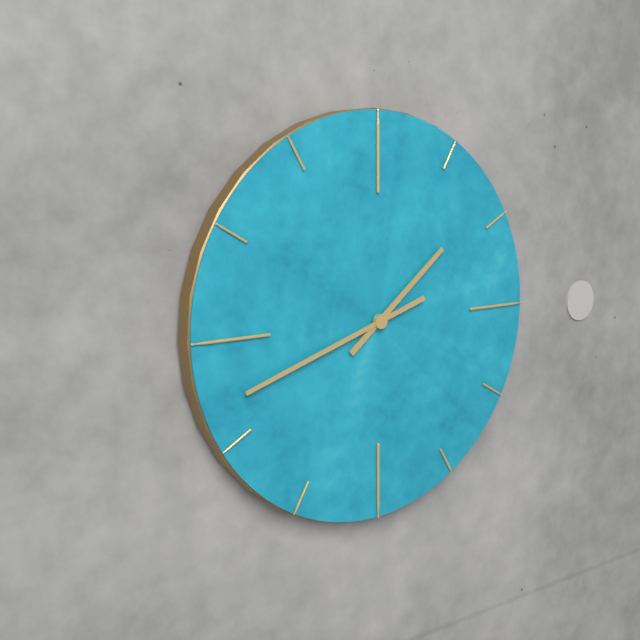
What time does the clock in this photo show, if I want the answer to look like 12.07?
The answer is 1.42
